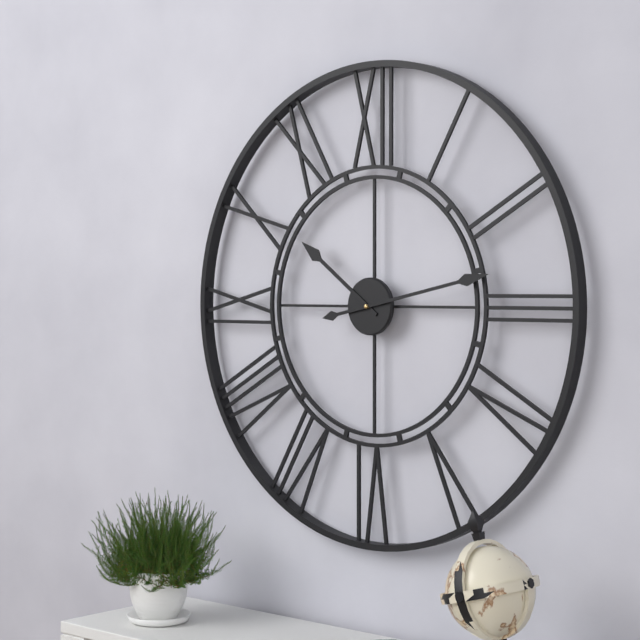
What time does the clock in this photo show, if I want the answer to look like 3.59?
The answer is 10.13
